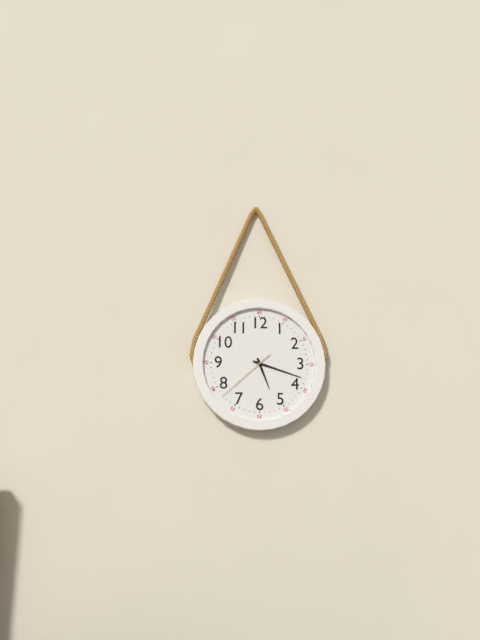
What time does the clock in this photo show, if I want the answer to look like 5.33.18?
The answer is 5.18.38
